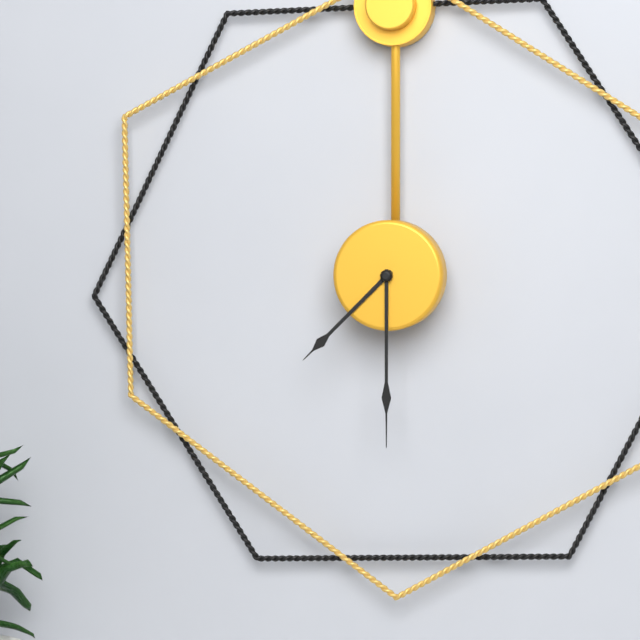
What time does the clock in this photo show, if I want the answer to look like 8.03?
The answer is 7.30
